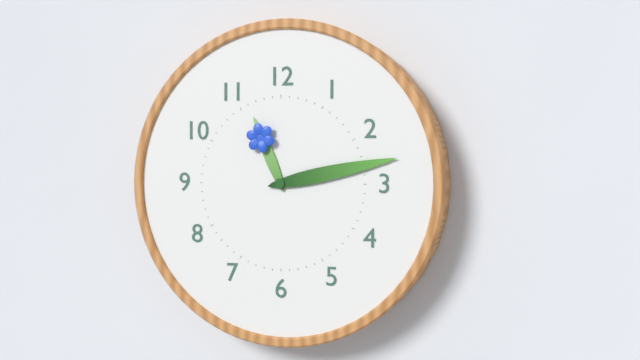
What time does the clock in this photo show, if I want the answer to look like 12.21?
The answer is 11.13
